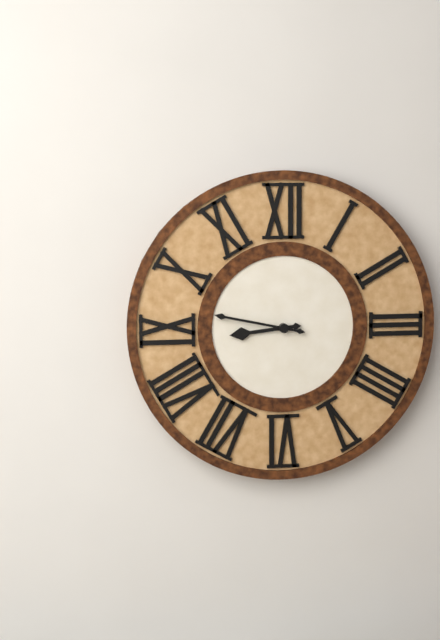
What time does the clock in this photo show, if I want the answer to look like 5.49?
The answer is 8.47
